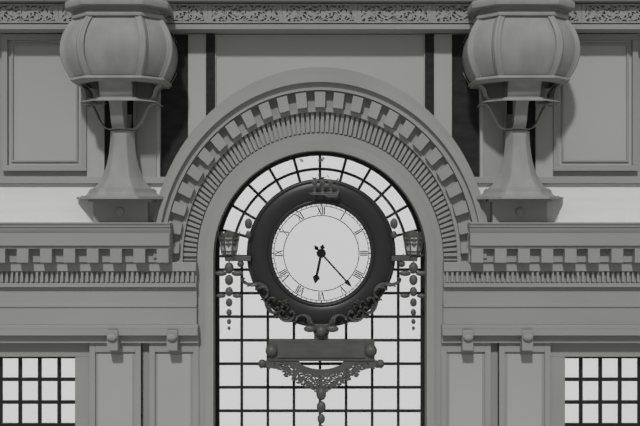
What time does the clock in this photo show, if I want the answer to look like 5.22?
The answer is 6.23
